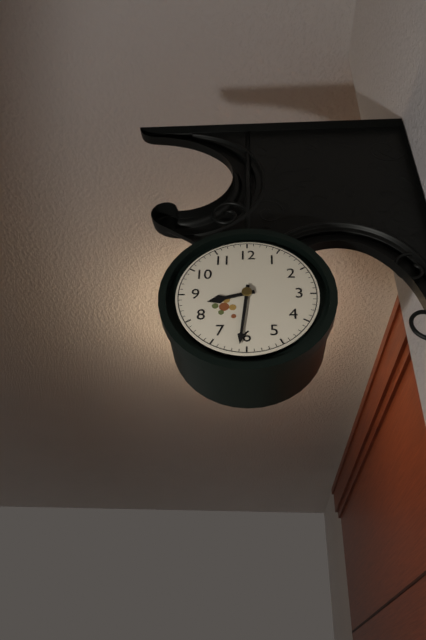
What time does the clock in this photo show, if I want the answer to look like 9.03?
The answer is 8.31
